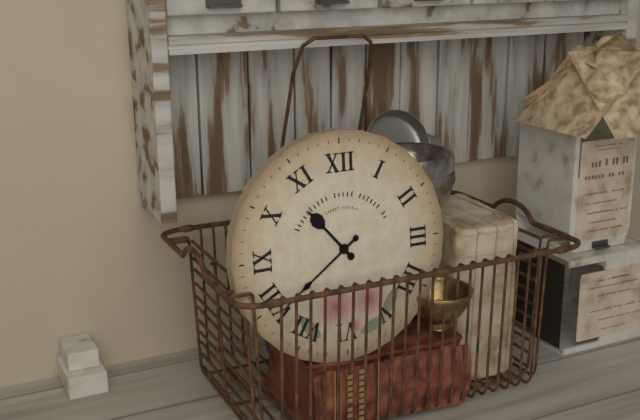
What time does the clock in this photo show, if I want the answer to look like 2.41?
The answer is 10.39
